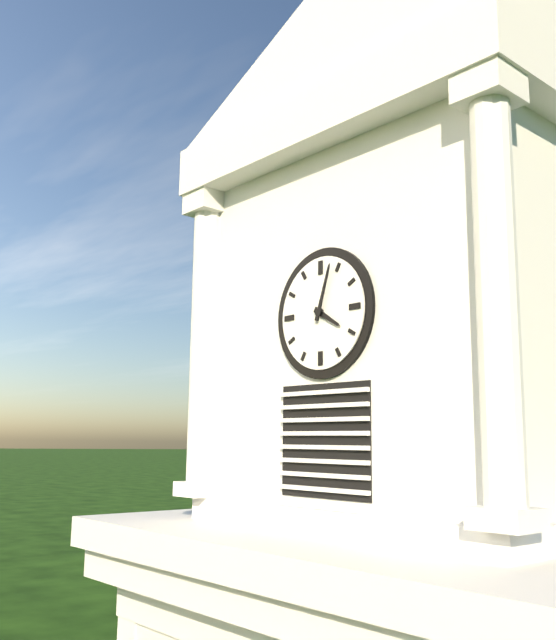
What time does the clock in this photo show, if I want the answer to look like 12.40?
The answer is 4.03
